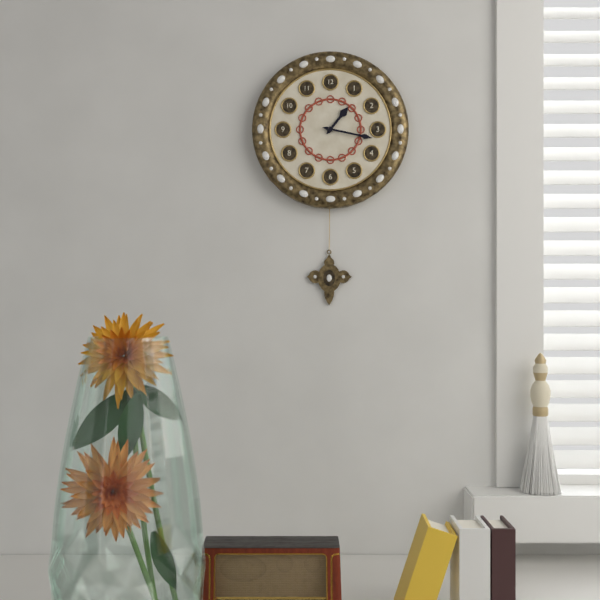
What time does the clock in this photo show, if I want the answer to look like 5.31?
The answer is 1.17
